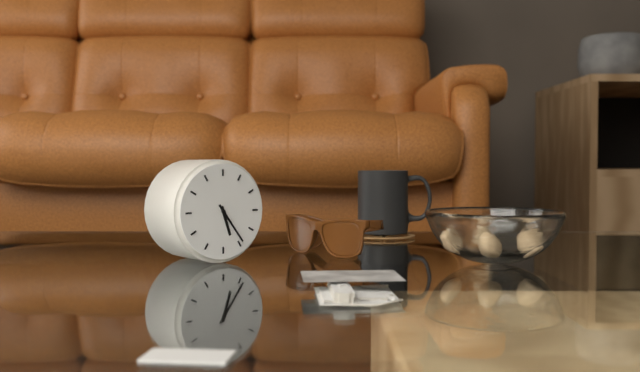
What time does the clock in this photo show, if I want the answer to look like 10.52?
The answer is 5.24
